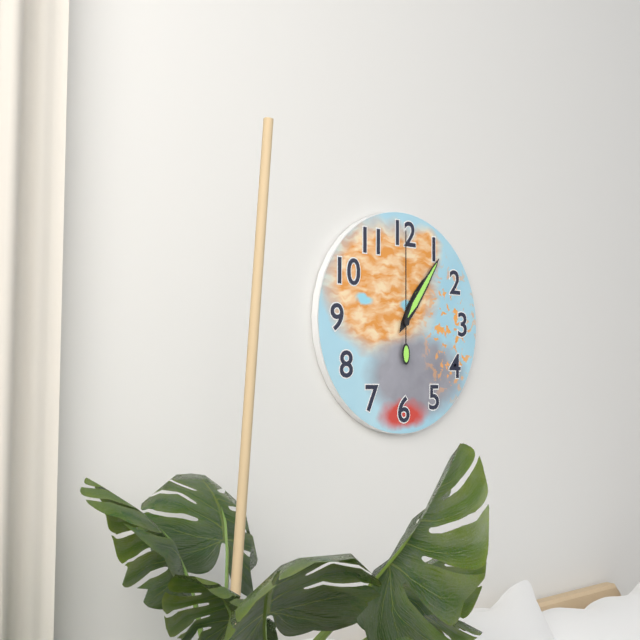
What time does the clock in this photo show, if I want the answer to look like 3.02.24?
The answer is 1.06.00
